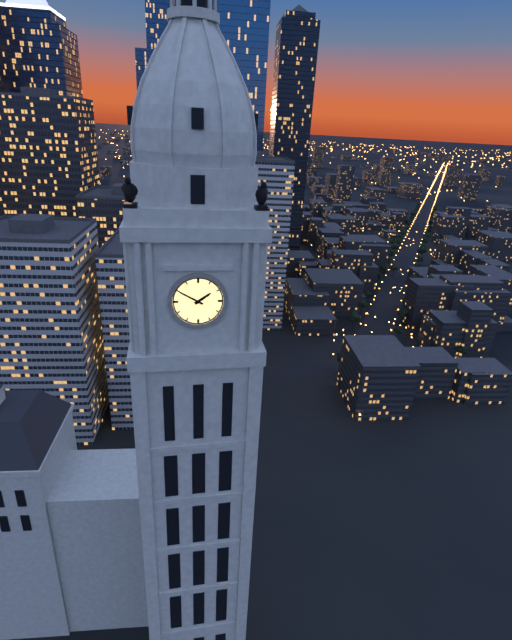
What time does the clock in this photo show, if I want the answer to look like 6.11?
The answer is 1.50
